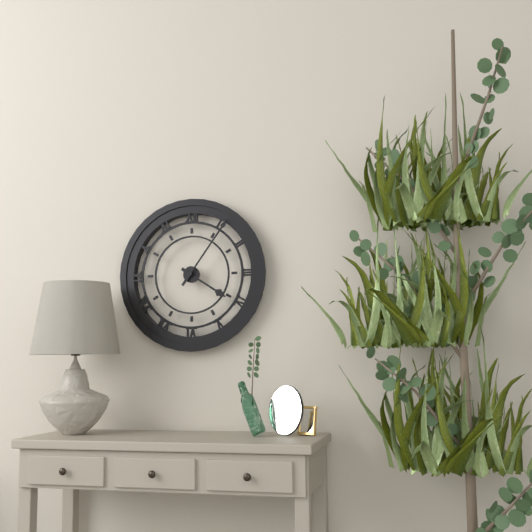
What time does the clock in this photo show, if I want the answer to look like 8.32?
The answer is 4.06
